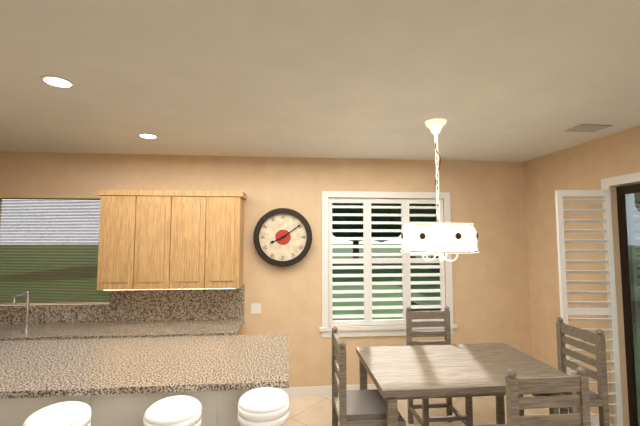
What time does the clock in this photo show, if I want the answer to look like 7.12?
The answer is 8.09
